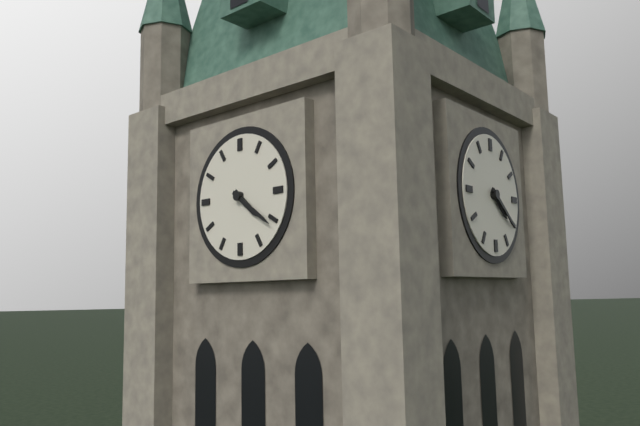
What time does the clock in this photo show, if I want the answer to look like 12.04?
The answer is 4.21
